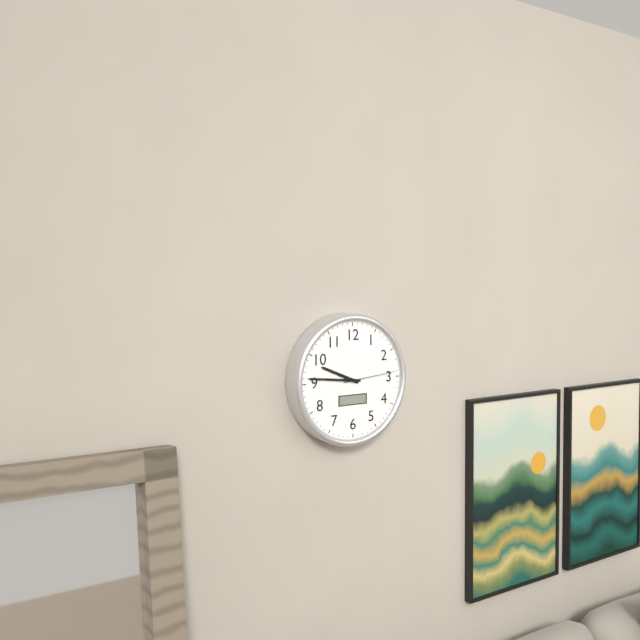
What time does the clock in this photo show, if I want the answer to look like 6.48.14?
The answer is 9.46.14
